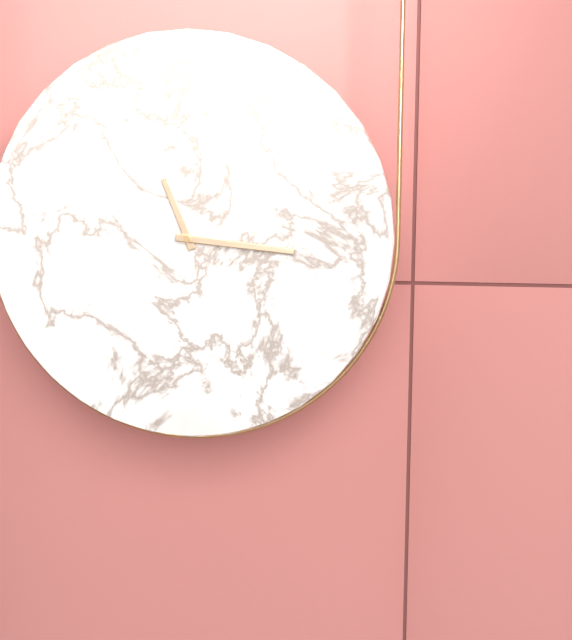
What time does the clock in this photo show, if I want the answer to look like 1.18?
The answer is 11.16
